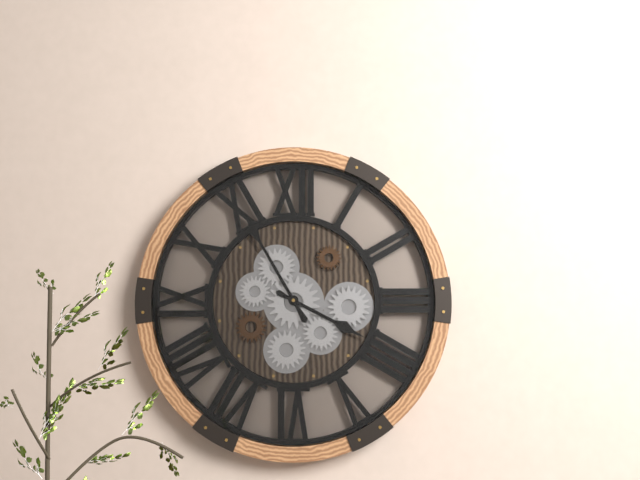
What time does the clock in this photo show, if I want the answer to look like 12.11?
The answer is 3.55
